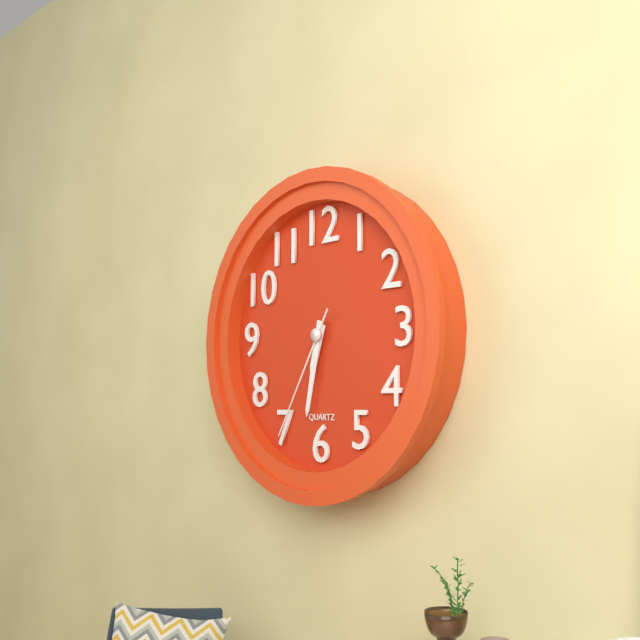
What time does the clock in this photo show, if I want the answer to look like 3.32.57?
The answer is 6.32.35
